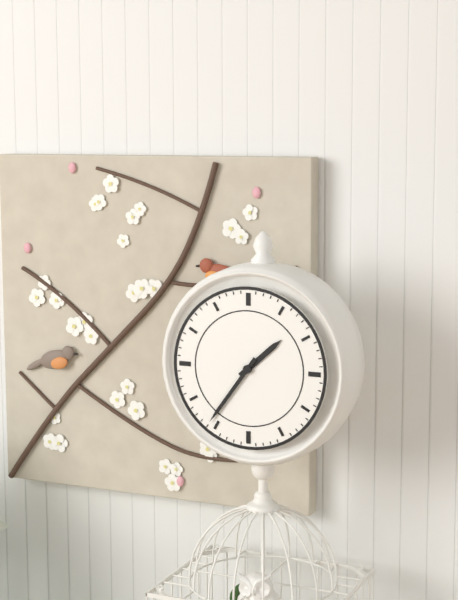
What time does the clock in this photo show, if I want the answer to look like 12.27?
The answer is 1.36
